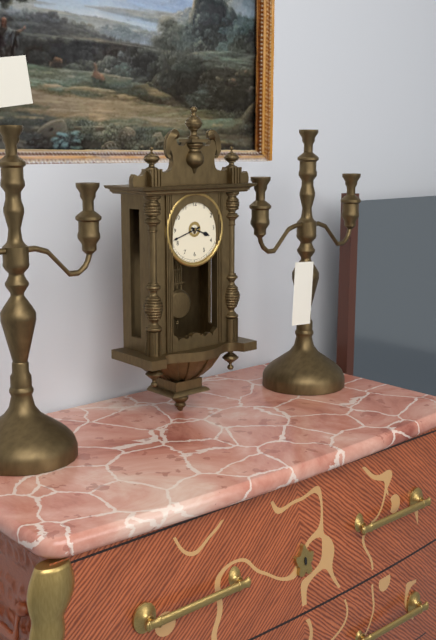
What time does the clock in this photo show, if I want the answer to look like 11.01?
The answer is 3.42
